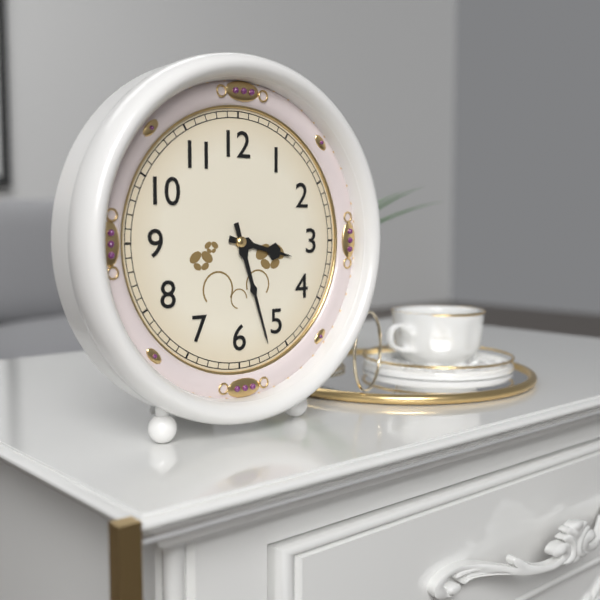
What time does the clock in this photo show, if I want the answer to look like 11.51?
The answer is 3.27
